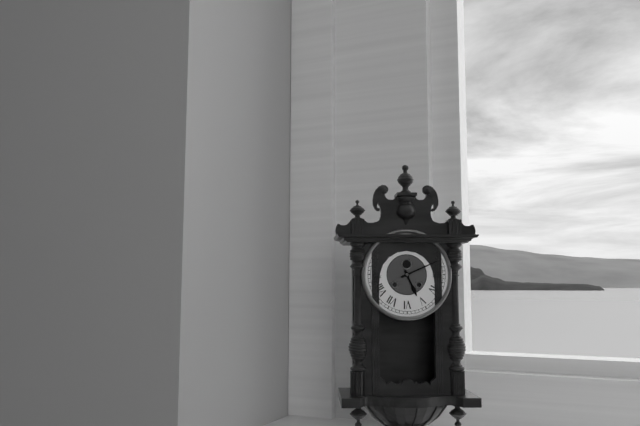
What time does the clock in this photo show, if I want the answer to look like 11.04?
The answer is 5.11
